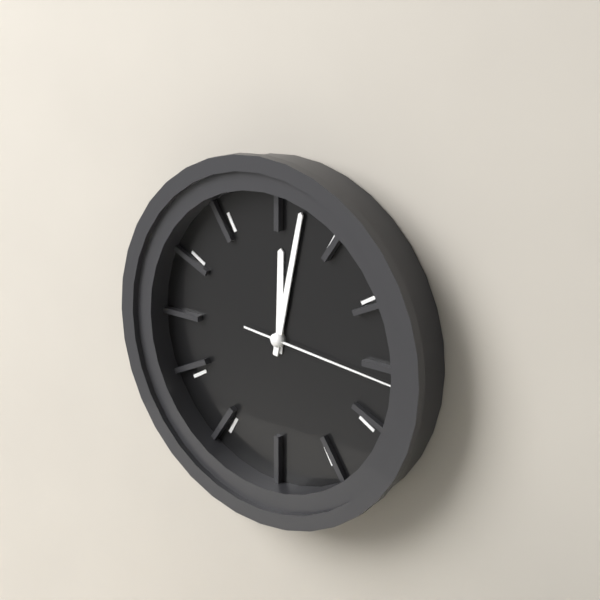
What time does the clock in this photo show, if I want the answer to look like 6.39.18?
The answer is 12.02.16
